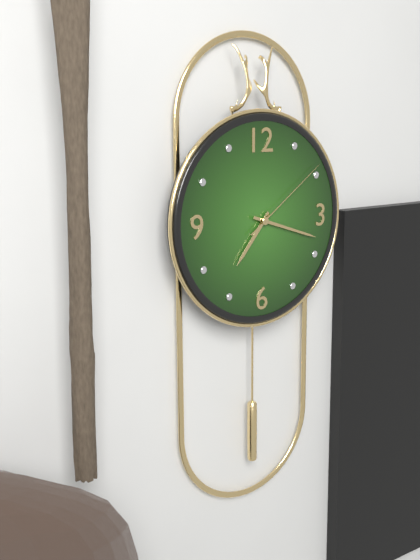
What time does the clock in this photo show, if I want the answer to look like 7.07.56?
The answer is 7.18.09
